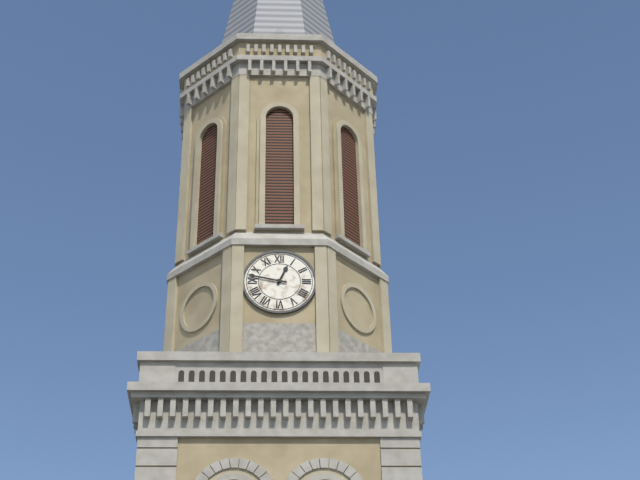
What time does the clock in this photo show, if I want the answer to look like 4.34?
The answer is 12.47
